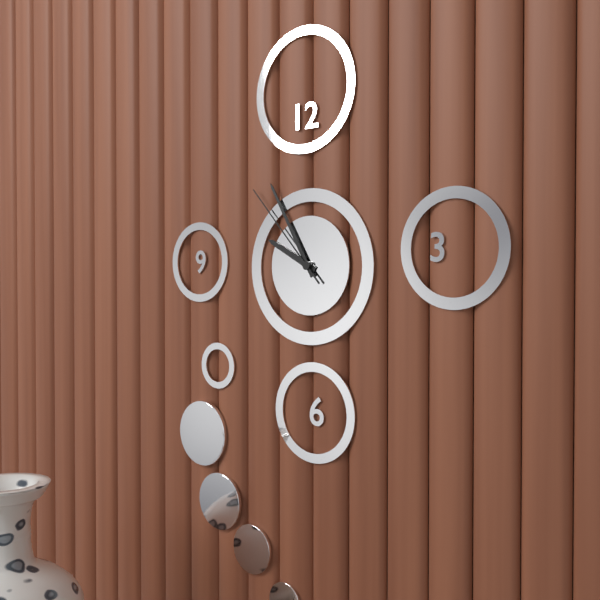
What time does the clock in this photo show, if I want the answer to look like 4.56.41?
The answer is 9.55.53
